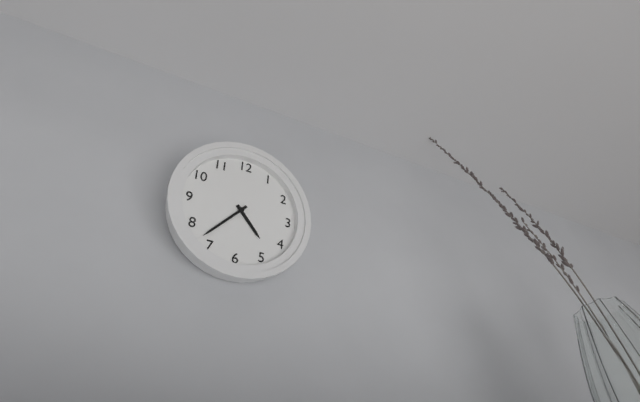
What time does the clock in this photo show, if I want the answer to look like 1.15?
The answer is 4.37
